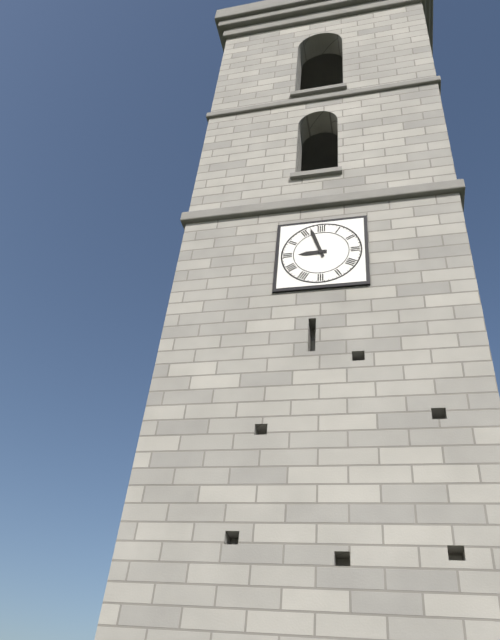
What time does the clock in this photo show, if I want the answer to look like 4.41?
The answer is 8.57
